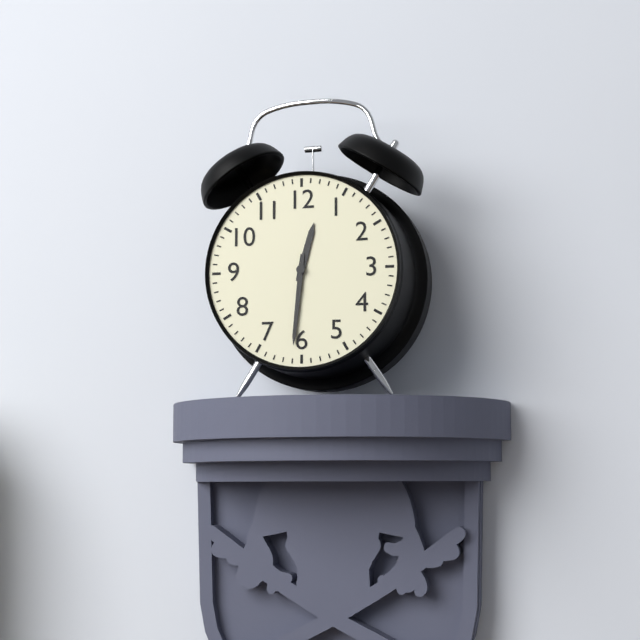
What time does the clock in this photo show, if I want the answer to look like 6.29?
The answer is 12.31
